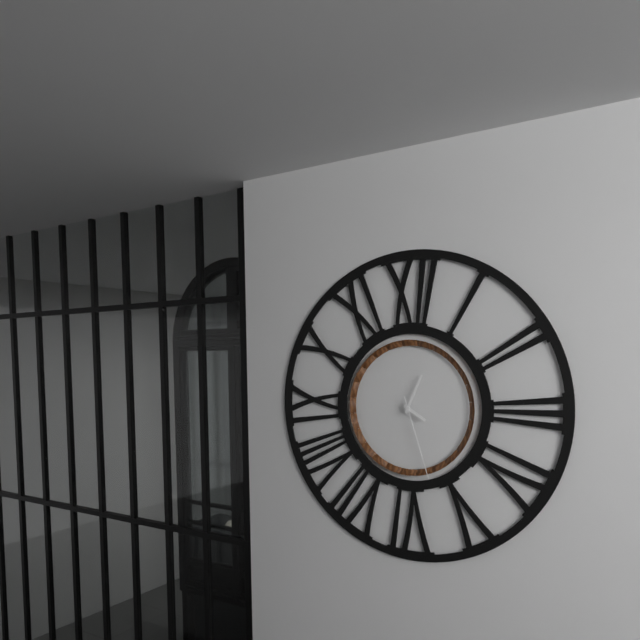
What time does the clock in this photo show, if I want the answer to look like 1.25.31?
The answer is 4.04.27
